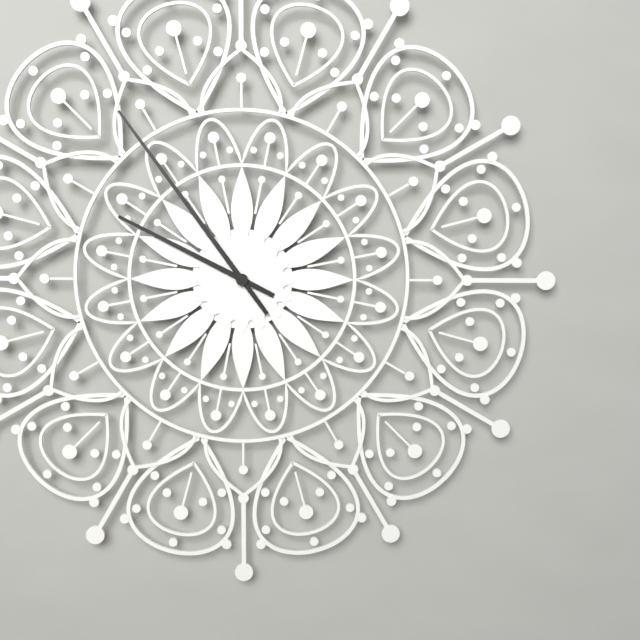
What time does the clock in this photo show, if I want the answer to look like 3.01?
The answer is 9.54
